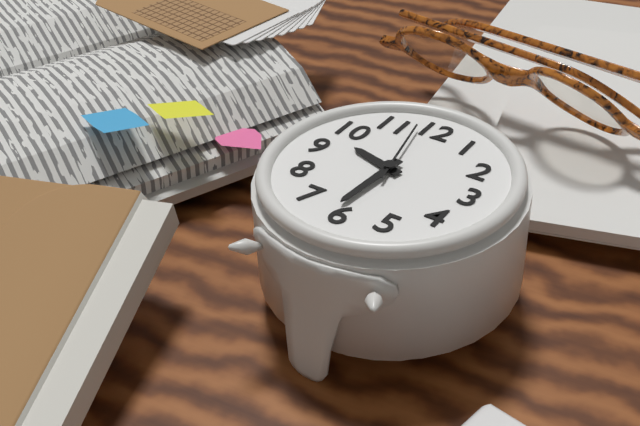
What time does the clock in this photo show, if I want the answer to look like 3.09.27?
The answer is 9.31.58
